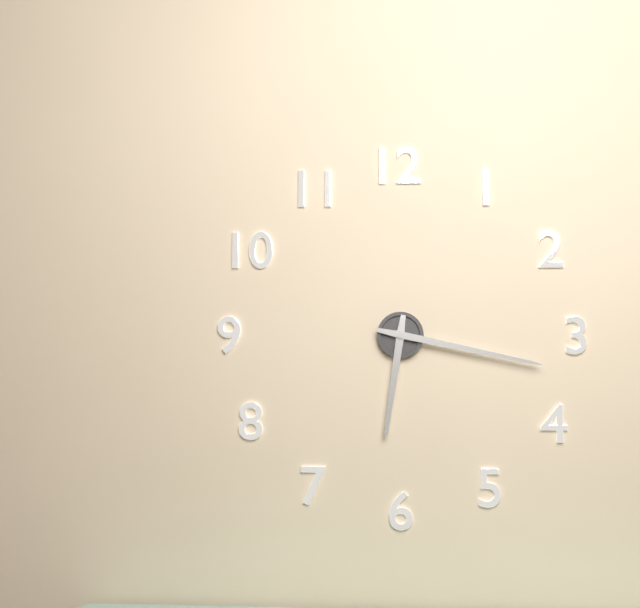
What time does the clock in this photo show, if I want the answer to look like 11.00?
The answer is 6.17
